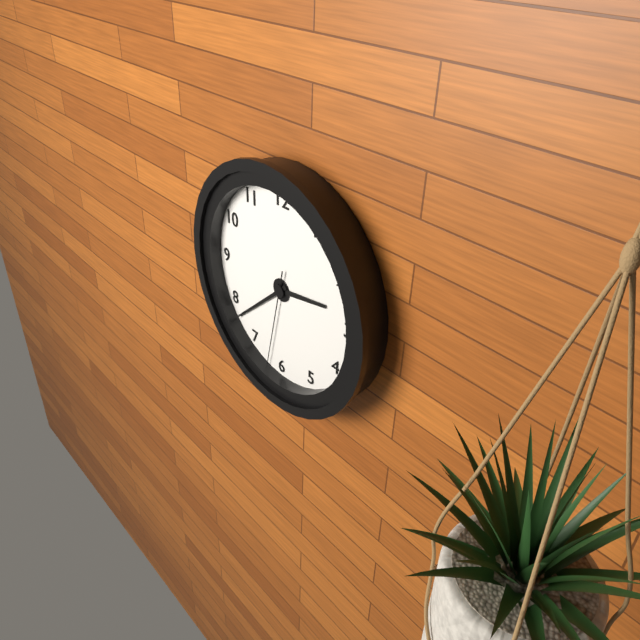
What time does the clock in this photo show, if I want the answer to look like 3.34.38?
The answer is 2.38.32
